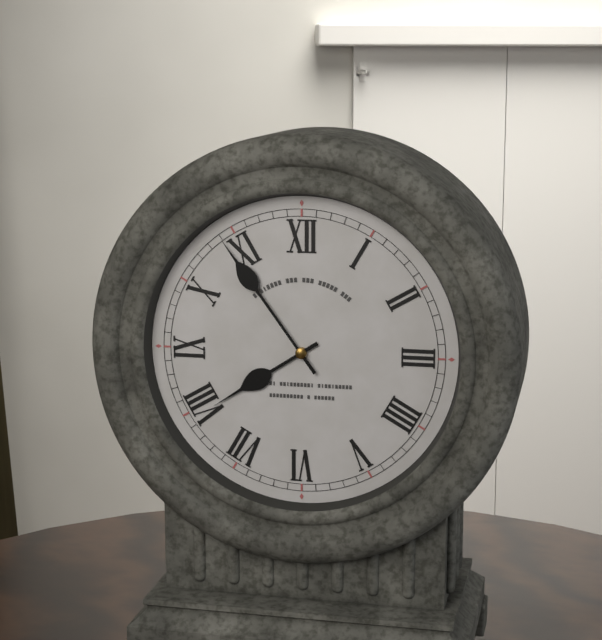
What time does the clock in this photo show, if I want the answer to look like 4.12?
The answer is 7.54
